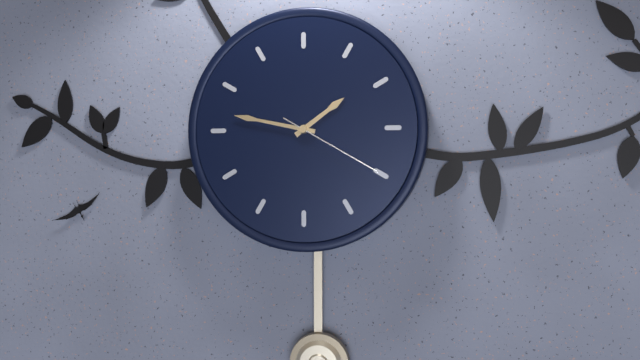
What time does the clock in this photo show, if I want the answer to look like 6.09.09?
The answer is 1.47.20
